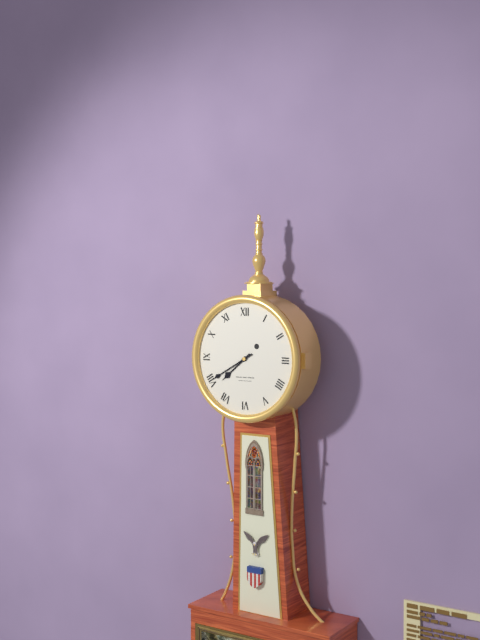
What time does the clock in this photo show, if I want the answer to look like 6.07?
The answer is 7.40
